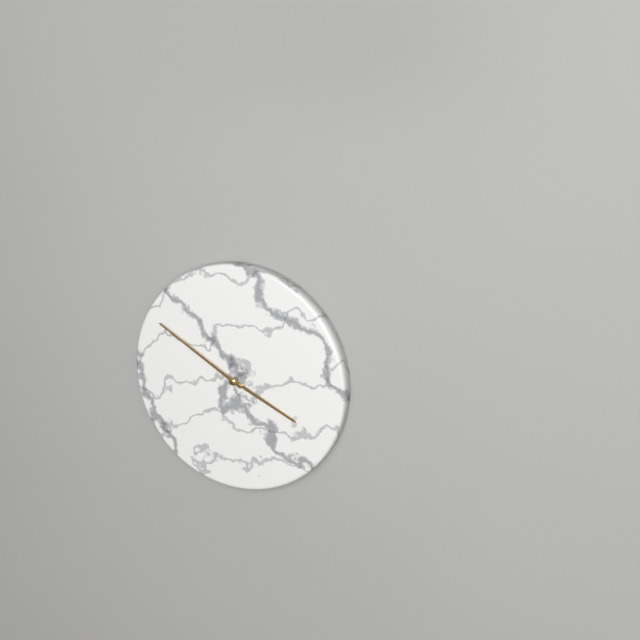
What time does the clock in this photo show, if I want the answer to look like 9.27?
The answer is 3.50
